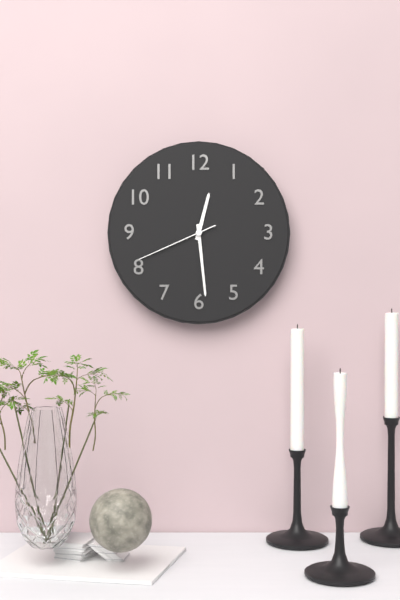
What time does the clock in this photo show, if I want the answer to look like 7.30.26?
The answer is 12.29.41
